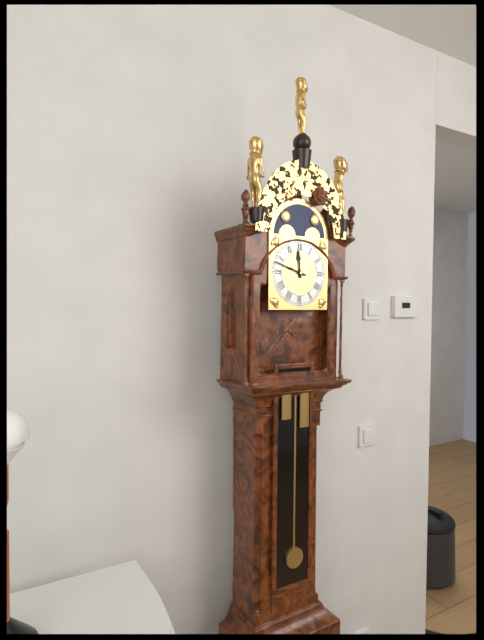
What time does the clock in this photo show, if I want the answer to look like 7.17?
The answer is 11.48
